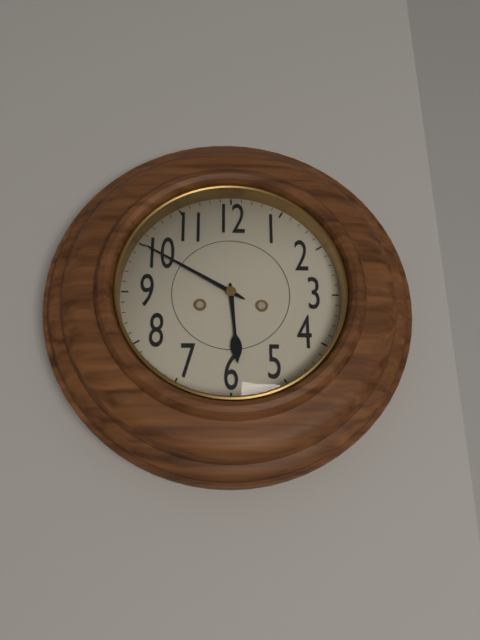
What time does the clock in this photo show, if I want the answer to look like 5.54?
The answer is 5.50
